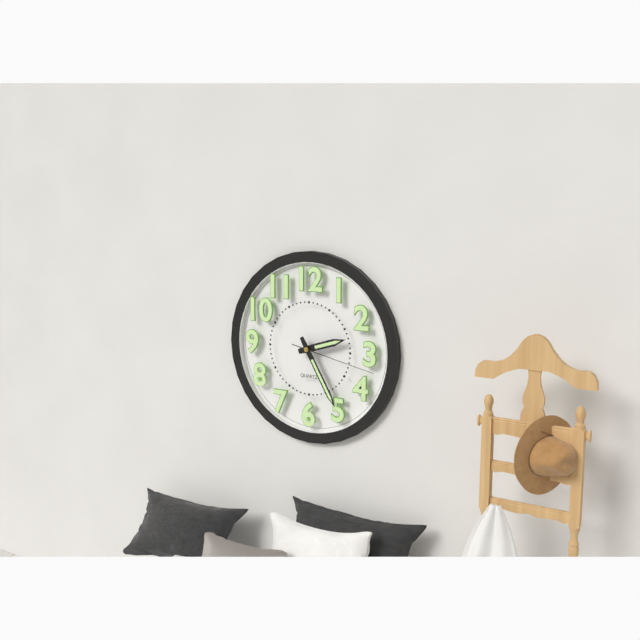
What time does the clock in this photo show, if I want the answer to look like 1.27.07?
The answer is 2.25.17
